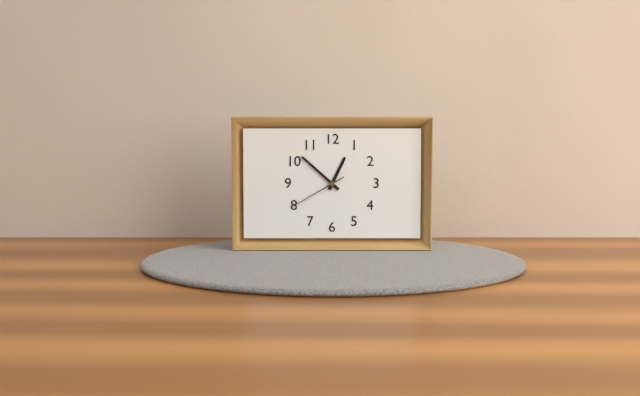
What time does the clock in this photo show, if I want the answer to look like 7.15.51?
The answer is 12.52.40
